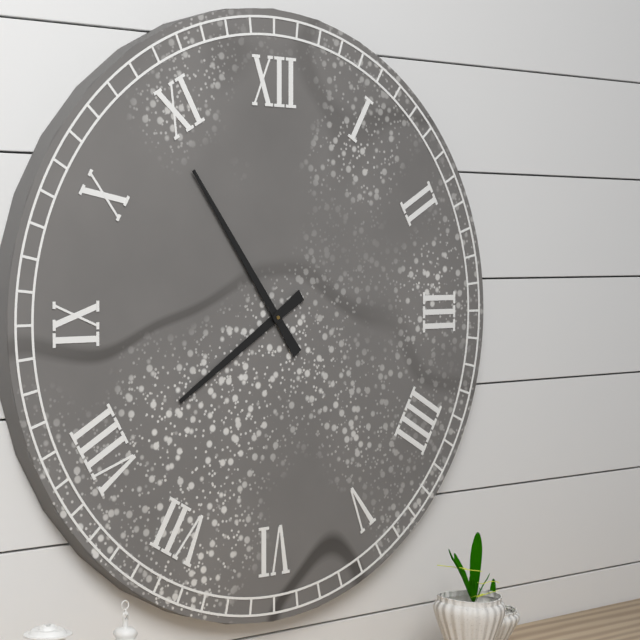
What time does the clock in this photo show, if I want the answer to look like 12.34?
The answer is 7.54
